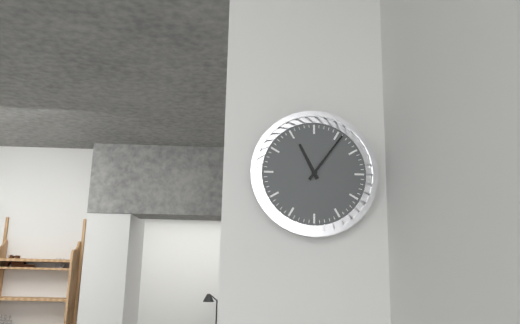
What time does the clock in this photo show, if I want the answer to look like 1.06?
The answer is 11.06
